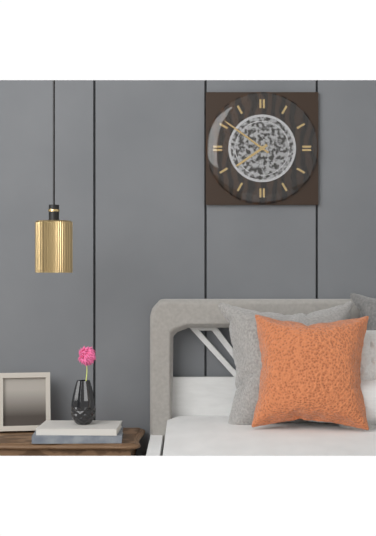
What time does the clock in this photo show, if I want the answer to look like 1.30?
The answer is 7.51
